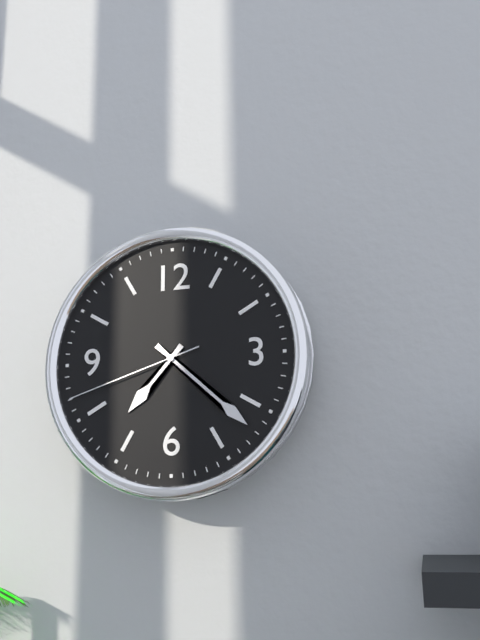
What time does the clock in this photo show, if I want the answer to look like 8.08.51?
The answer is 7.22.42
